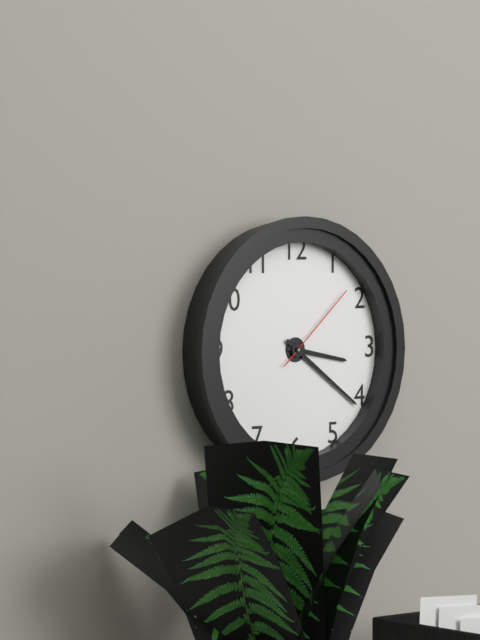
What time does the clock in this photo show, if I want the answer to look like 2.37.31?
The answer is 3.21.08
